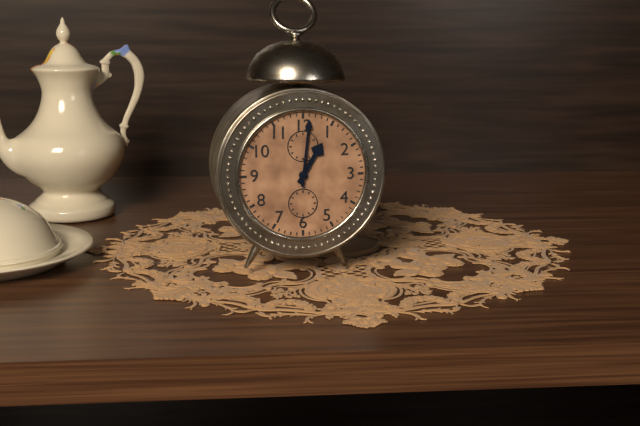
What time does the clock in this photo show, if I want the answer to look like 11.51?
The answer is 1.01
